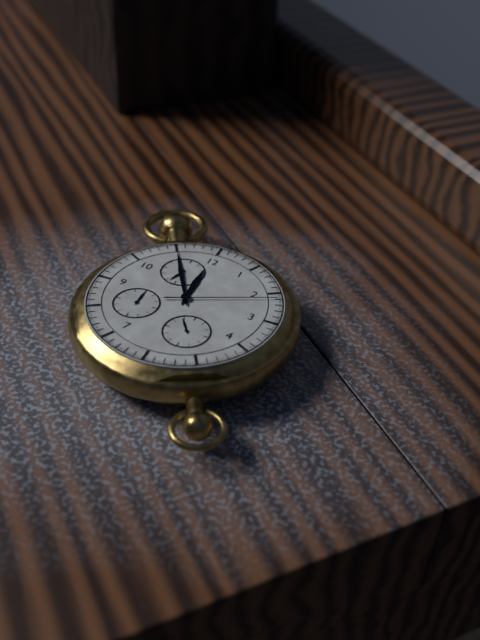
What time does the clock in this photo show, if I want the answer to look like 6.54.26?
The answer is 11.55.11
